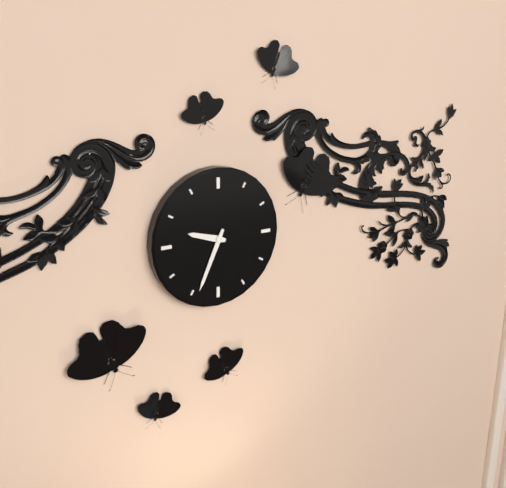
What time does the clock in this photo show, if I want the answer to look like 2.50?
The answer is 9.34
